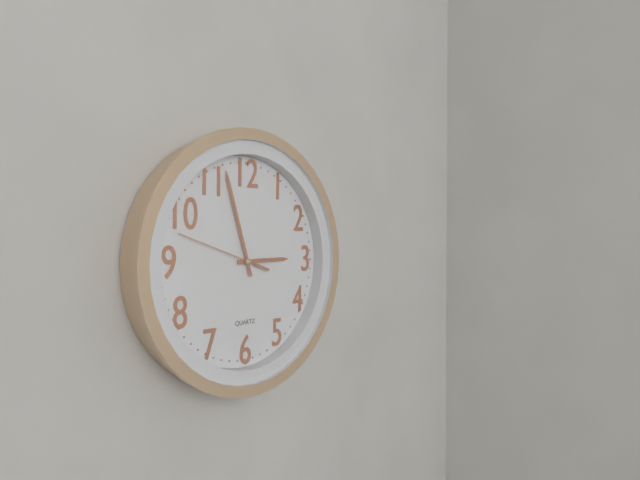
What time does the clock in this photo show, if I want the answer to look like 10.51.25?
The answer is 2.57.48
